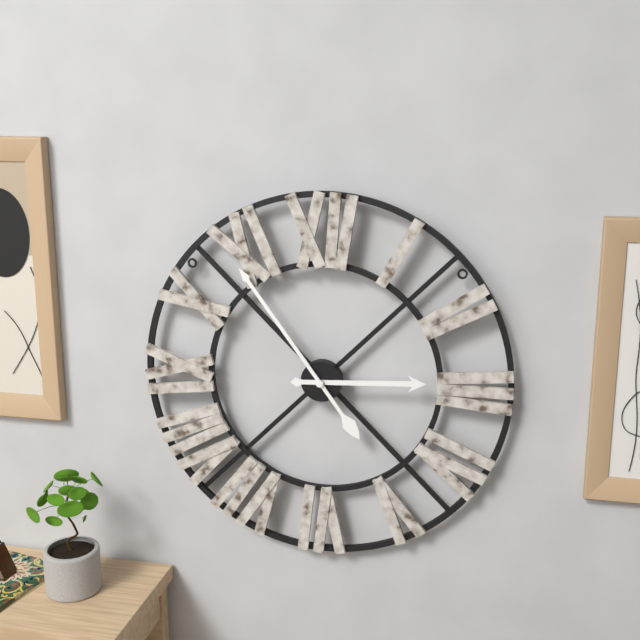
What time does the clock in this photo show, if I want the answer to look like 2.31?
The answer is 2.54
